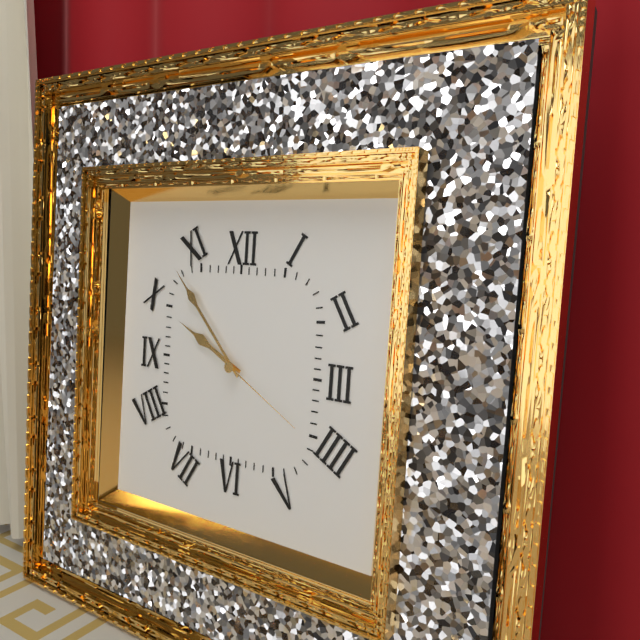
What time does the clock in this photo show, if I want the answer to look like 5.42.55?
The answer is 9.53.20
